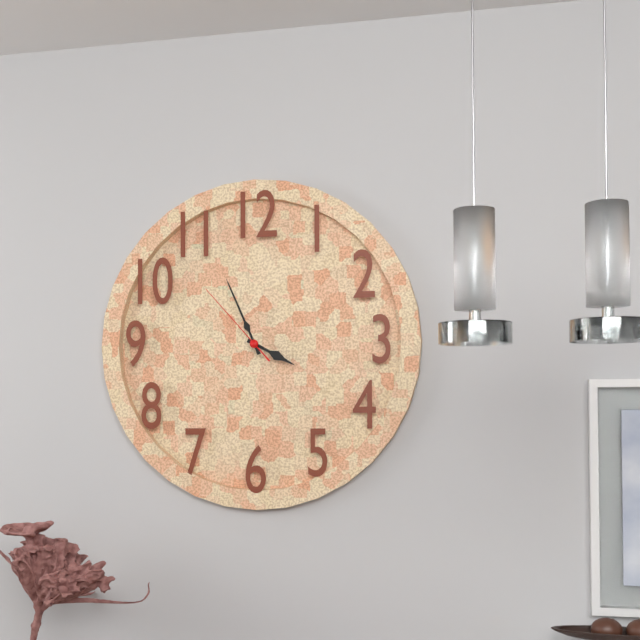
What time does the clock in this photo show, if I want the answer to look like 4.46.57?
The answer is 3.56.53
